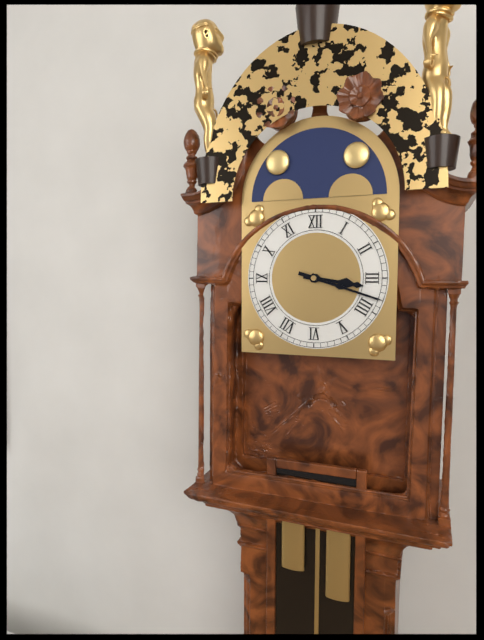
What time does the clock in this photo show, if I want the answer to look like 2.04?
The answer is 3.18
